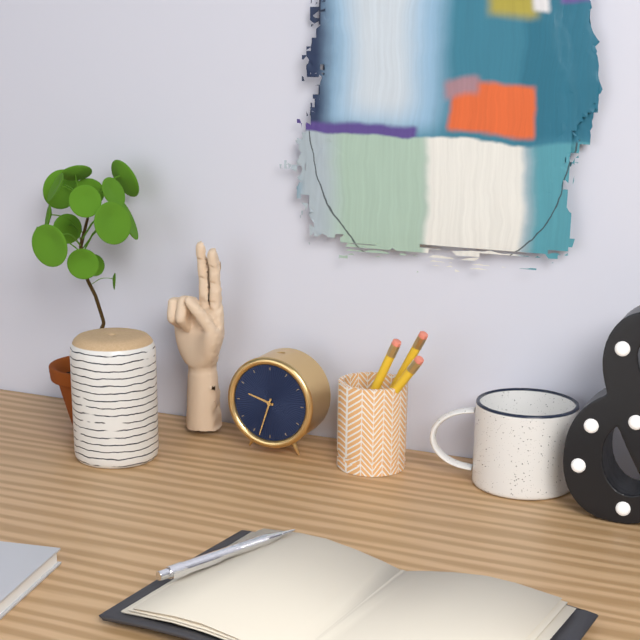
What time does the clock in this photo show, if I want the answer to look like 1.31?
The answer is 9.33
